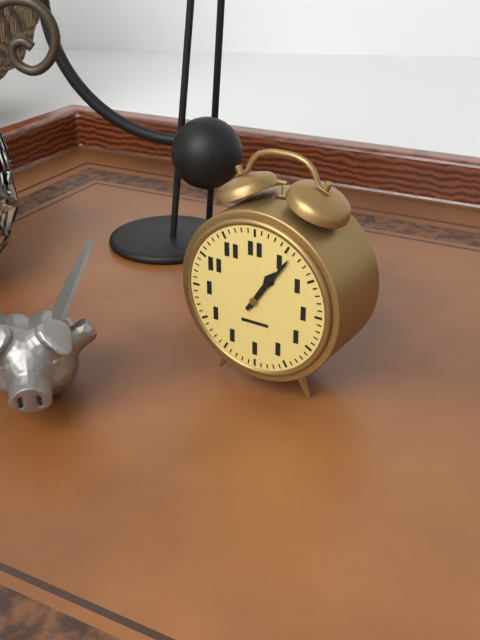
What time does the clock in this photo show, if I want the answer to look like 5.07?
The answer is 1.06
